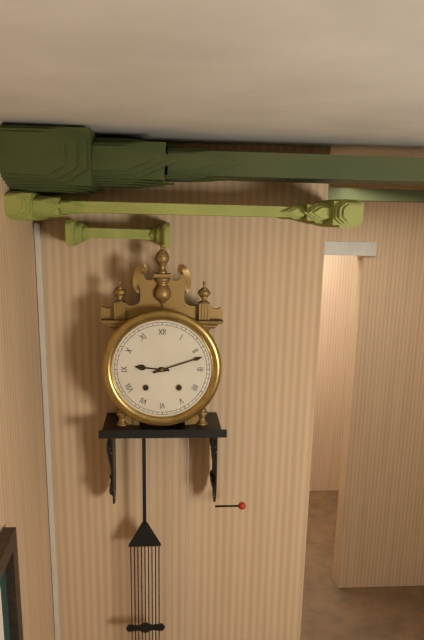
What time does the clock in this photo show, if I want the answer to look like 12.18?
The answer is 9.12
